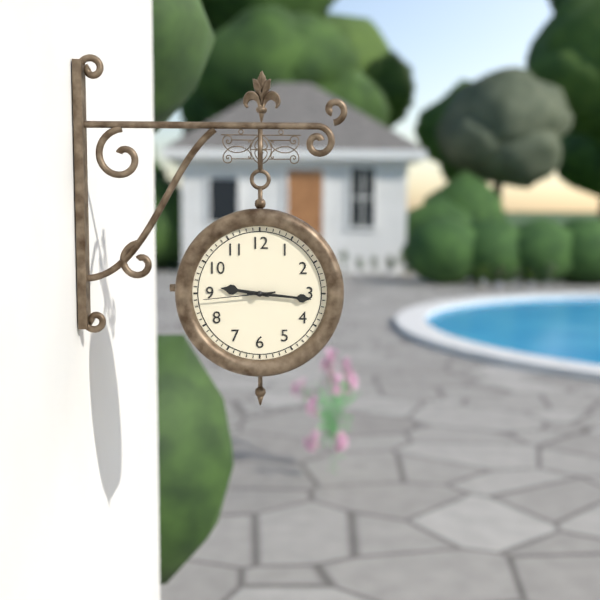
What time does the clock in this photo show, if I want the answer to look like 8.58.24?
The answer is 9.16.44
